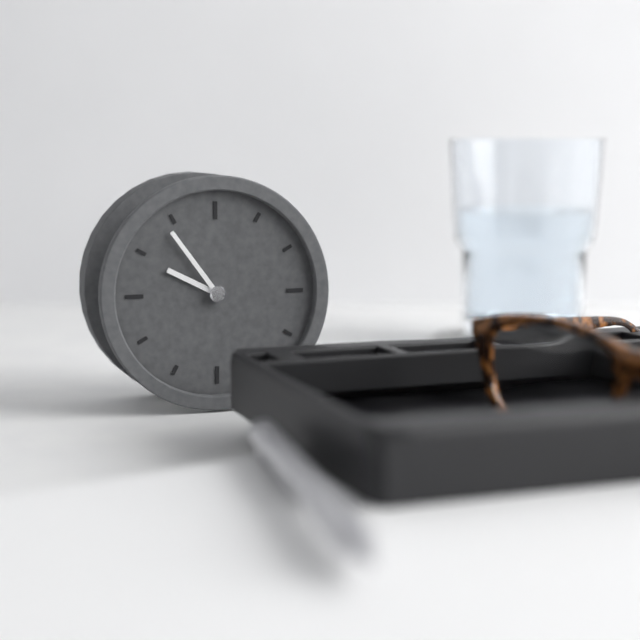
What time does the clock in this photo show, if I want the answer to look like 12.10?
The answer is 9.54
